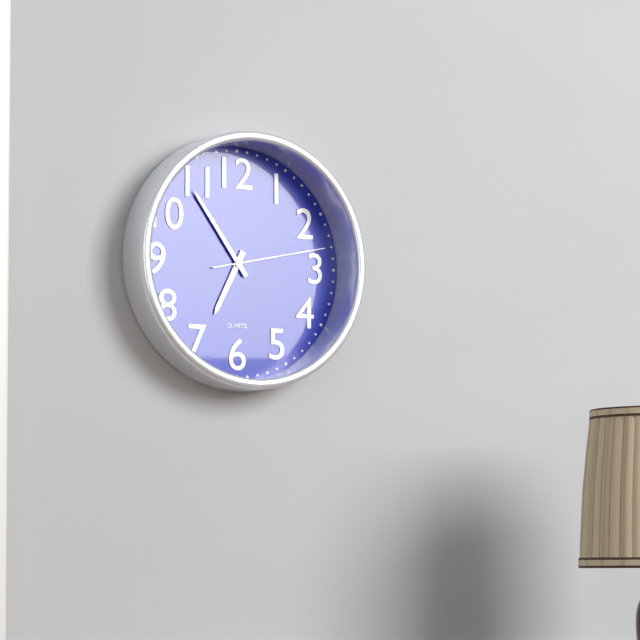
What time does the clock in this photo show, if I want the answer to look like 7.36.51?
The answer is 6.54.13
